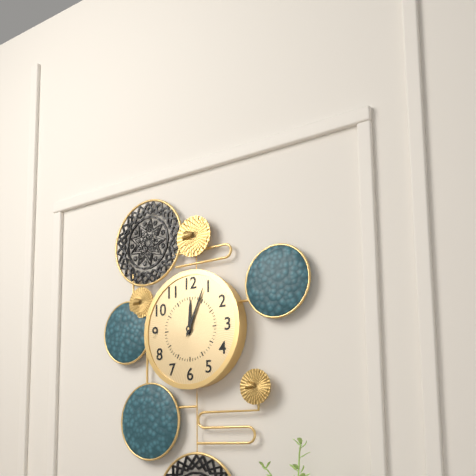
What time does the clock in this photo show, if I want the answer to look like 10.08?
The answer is 12.04
